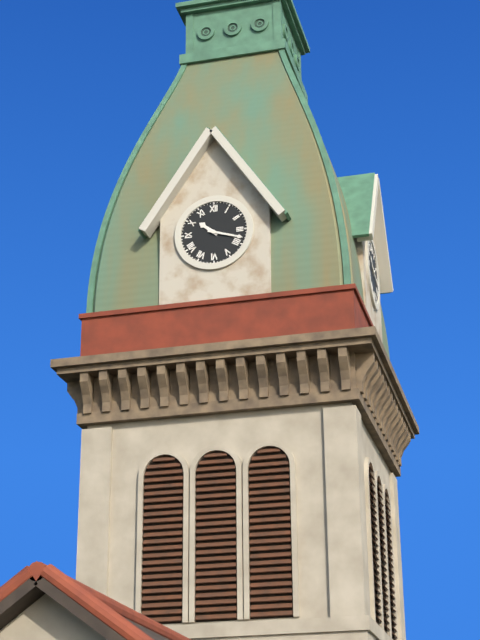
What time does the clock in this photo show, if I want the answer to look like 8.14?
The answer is 10.18
